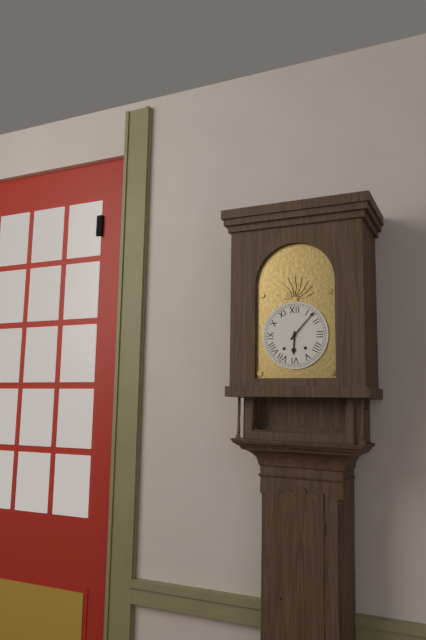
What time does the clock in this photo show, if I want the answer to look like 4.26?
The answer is 6.07
